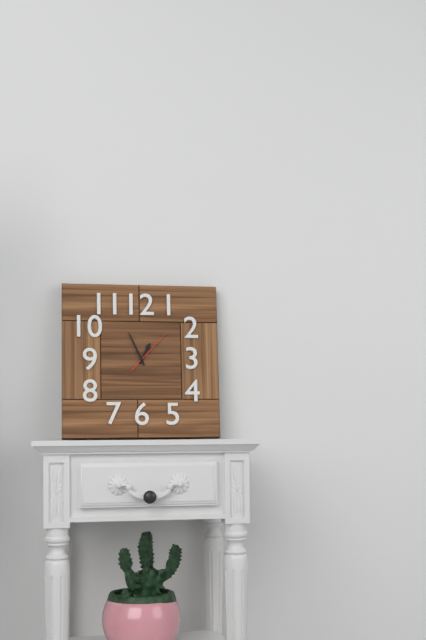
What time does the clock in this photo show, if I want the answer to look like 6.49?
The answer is 12.56
